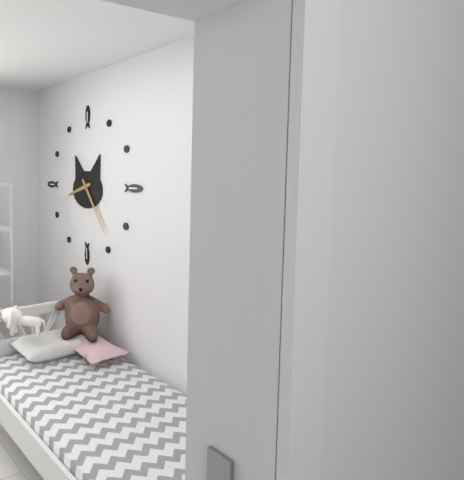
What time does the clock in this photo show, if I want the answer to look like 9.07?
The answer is 8.24
